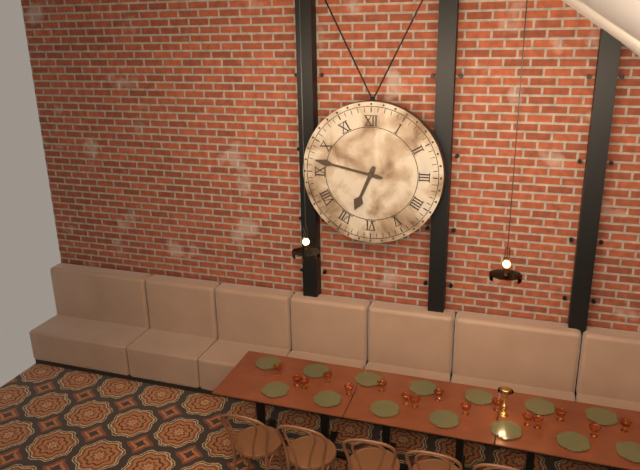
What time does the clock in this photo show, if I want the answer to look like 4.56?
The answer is 6.47
